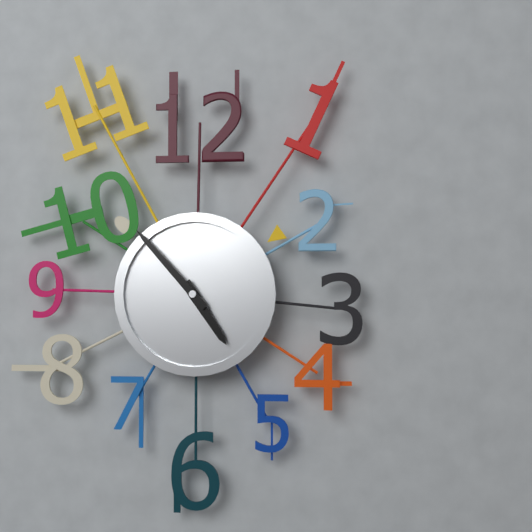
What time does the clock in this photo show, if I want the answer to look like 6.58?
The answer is 4.53
